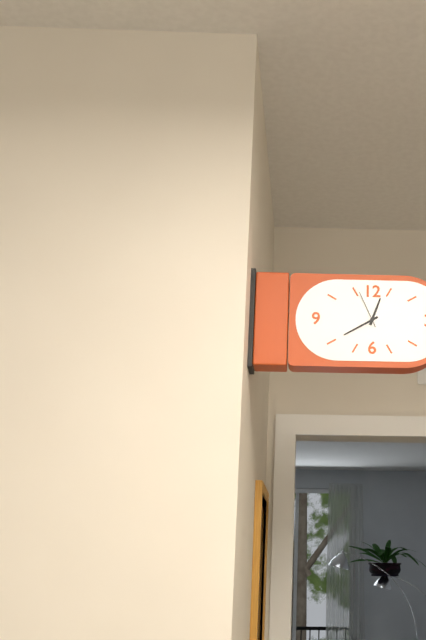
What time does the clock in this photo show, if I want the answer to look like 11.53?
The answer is 12.40
